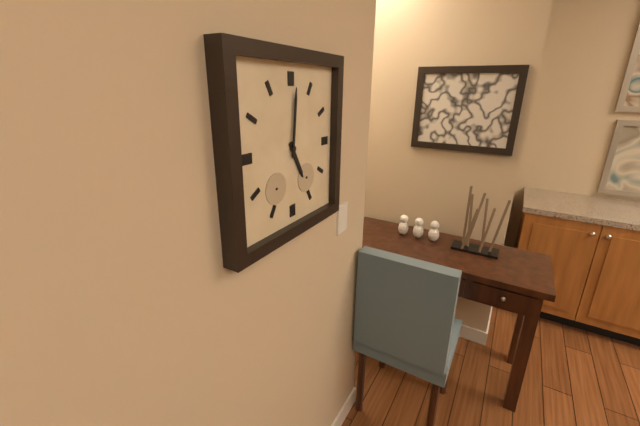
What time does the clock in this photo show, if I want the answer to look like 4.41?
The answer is 5.01
